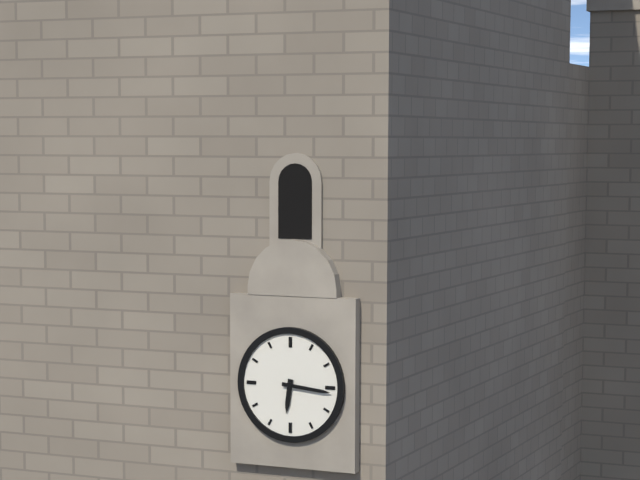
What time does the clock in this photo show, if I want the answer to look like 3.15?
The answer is 6.16
